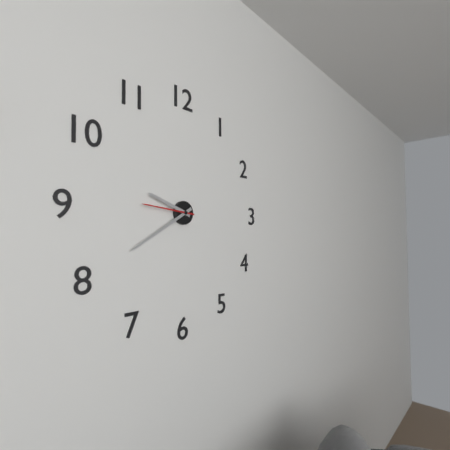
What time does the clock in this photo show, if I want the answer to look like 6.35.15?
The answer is 9.40.46
